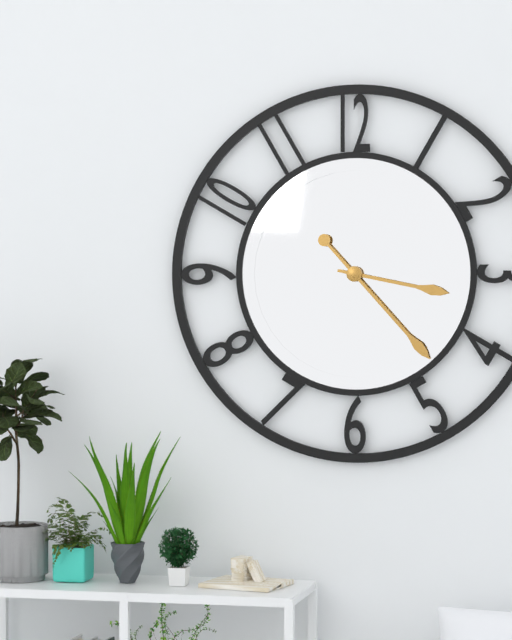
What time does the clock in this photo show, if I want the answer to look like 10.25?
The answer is 3.23
